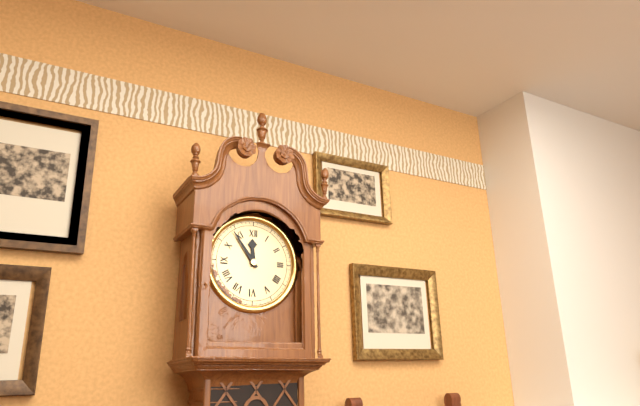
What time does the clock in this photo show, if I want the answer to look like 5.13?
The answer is 11.54
